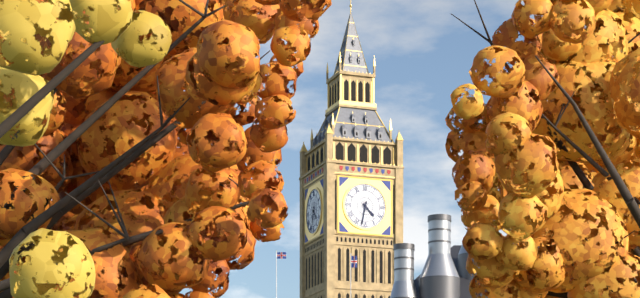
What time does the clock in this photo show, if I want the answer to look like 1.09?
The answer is 4.32
